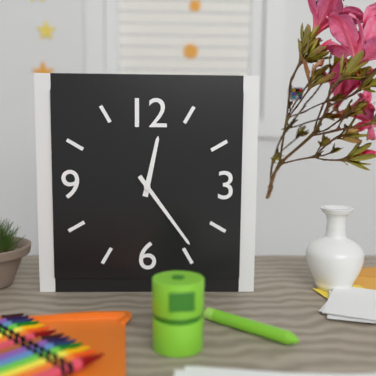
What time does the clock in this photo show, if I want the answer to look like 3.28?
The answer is 12.24
